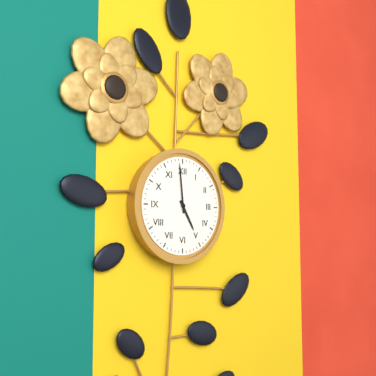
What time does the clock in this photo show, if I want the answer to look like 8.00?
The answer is 4.59
